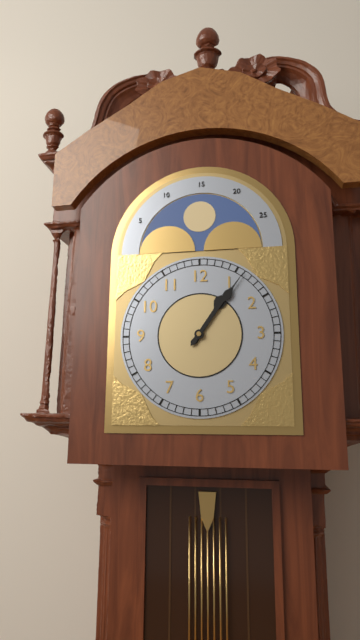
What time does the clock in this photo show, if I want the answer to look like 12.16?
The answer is 1.06
